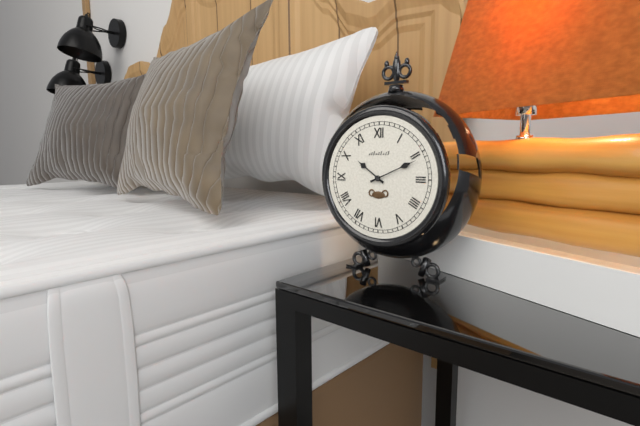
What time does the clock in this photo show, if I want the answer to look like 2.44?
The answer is 10.11
